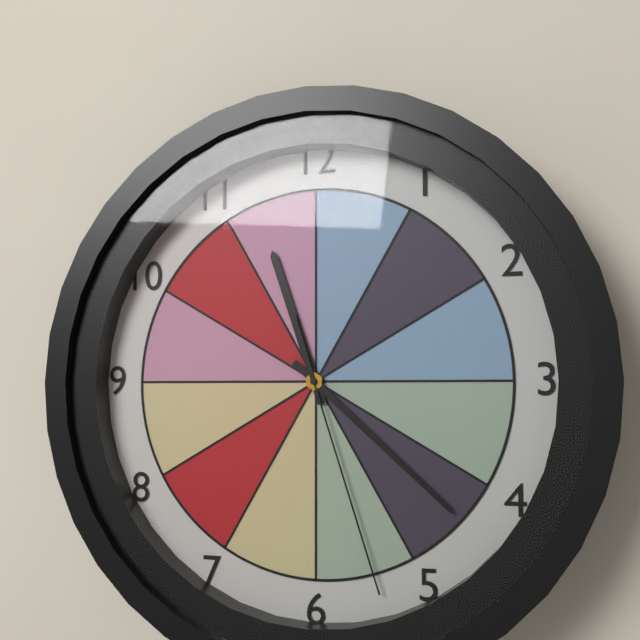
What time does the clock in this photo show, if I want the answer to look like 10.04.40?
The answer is 11.22.27
